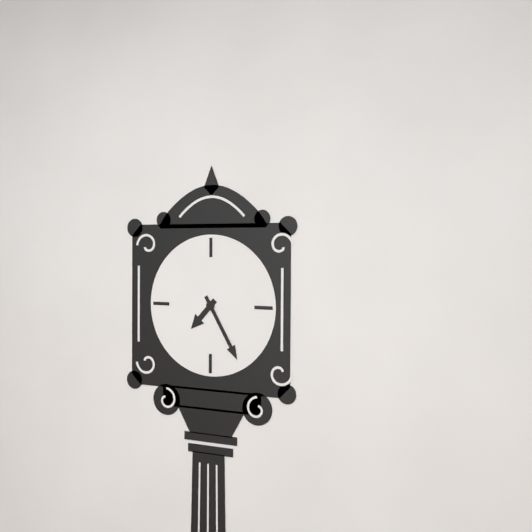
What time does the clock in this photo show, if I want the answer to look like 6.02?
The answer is 7.25
